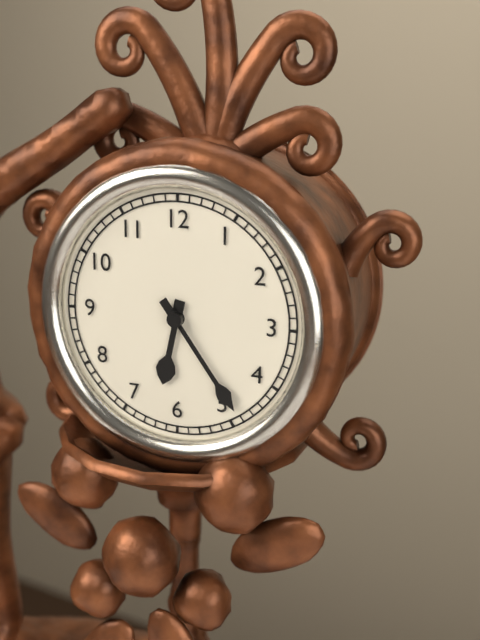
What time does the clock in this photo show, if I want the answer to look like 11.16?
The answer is 6.24
